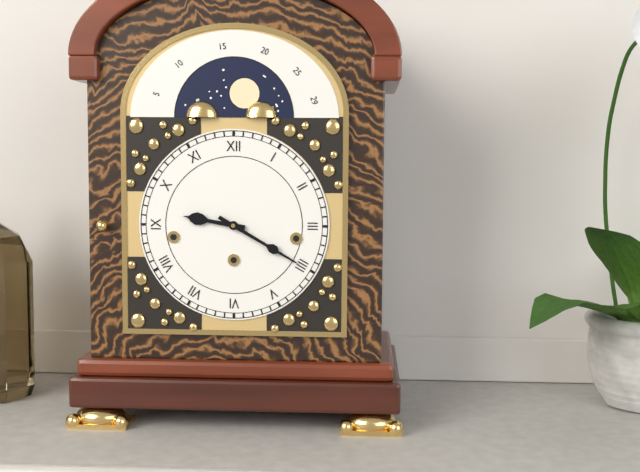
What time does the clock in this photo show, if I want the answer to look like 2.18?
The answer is 9.20
